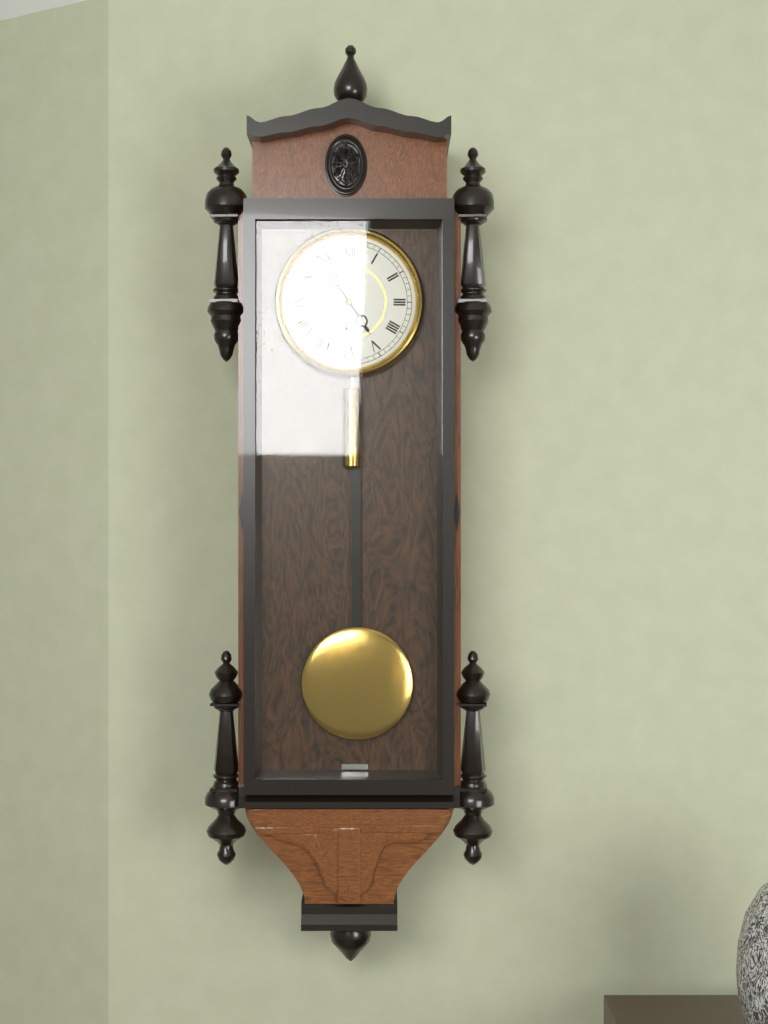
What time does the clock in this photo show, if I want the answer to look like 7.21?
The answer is 4.54
